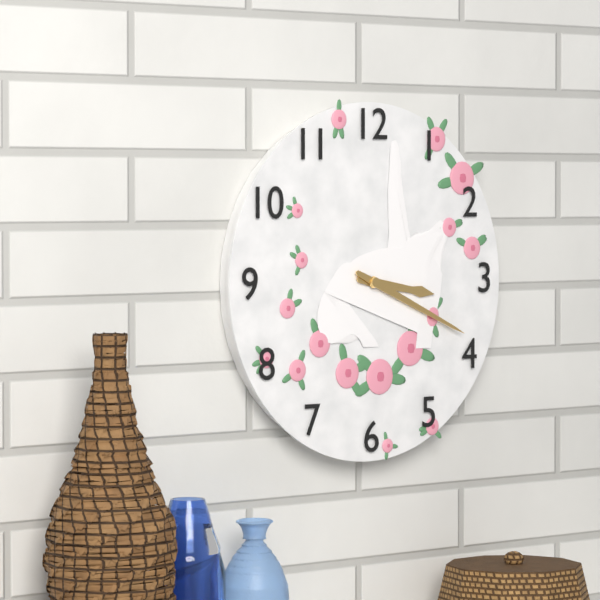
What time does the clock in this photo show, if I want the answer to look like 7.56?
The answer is 3.19
